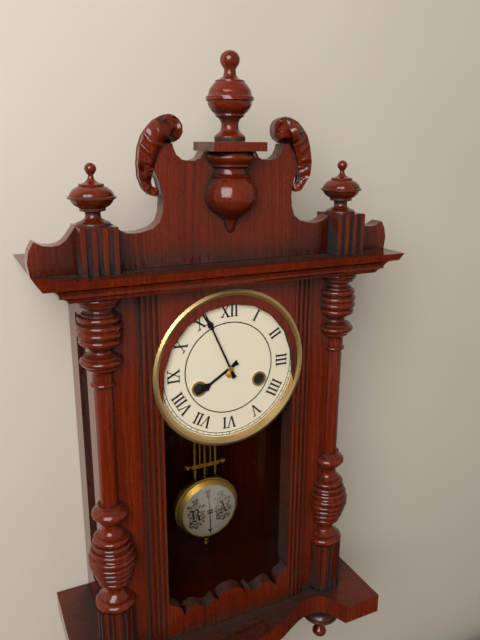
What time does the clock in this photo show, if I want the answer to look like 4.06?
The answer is 7.56
